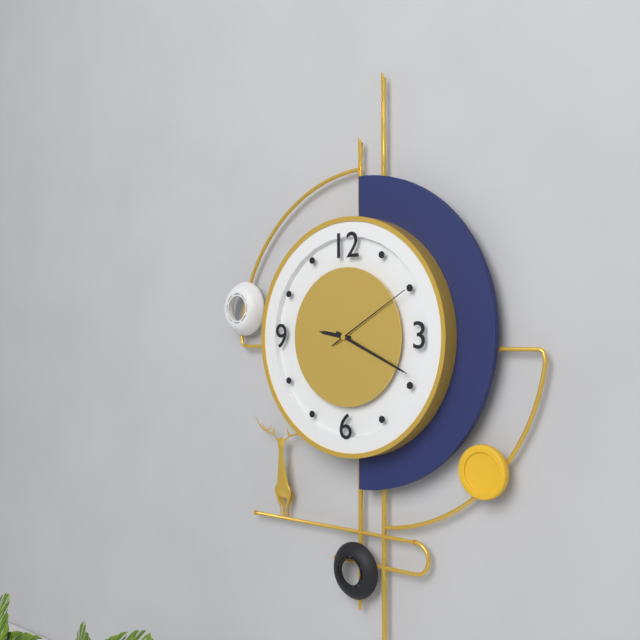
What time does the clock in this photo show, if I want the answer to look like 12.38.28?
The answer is 9.19.10
